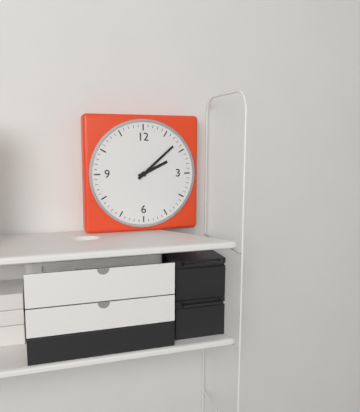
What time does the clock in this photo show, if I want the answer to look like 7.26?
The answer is 2.08
